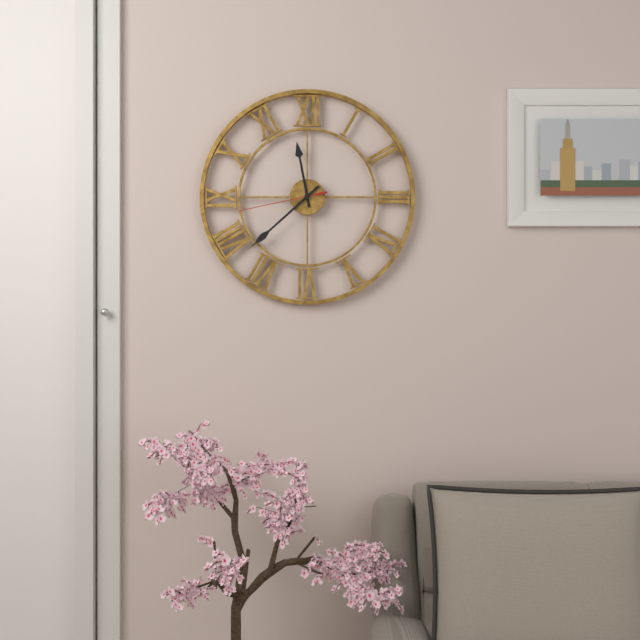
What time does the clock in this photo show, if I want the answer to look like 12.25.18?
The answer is 11.38.43
